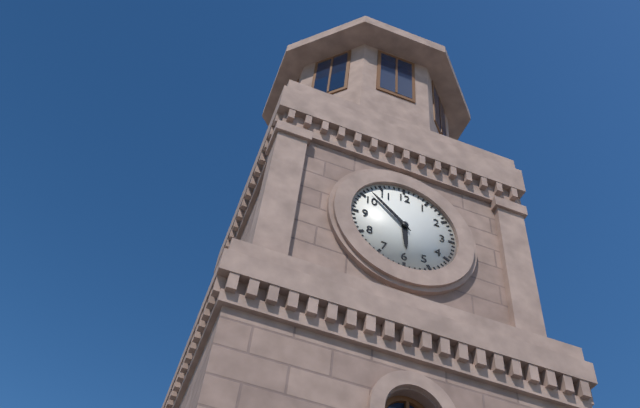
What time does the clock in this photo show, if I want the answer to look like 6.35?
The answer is 5.52
